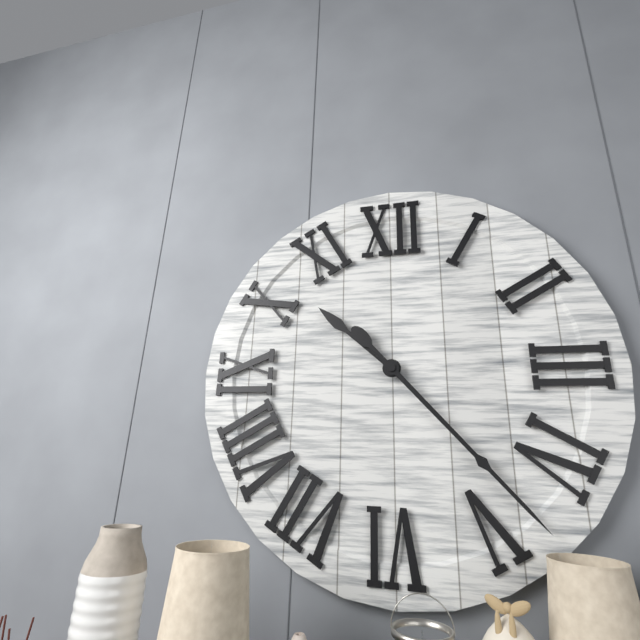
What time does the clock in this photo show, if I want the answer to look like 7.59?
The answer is 10.23
